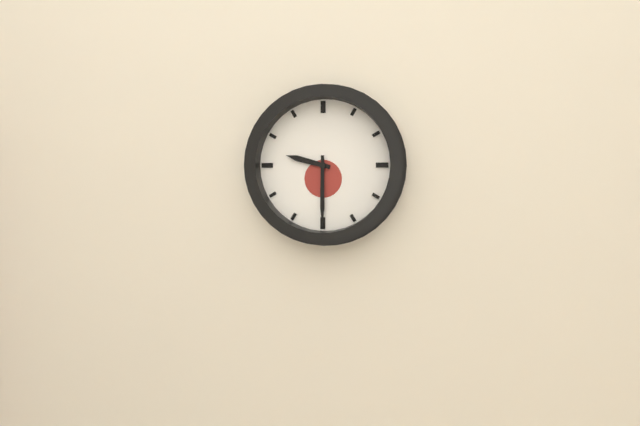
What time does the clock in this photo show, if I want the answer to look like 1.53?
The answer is 9.30
